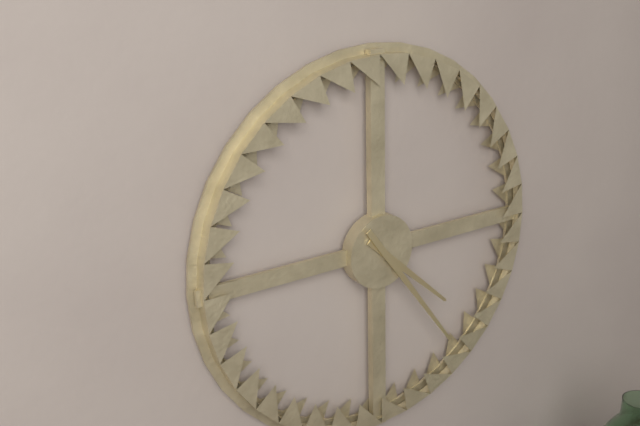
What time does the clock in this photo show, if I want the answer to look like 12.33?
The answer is 4.24
